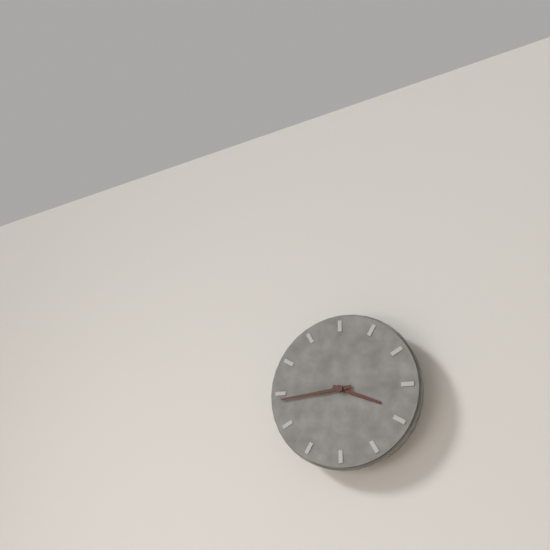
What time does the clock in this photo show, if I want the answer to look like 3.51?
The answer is 3.44
